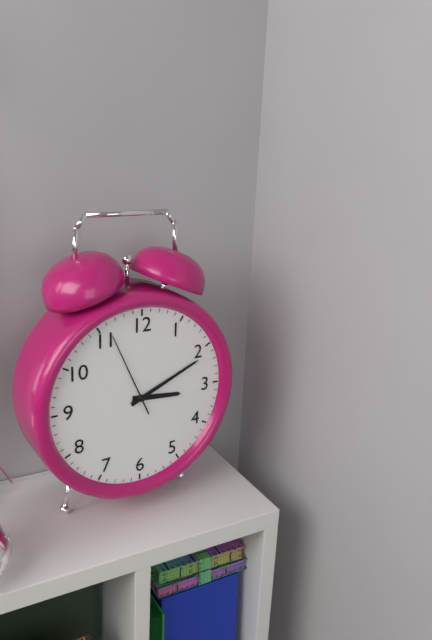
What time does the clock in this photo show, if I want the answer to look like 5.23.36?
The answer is 3.11.56
